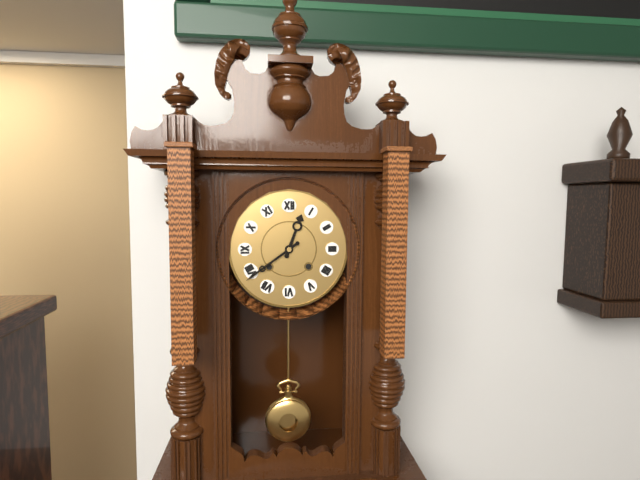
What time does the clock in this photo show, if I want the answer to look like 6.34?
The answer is 12.39
